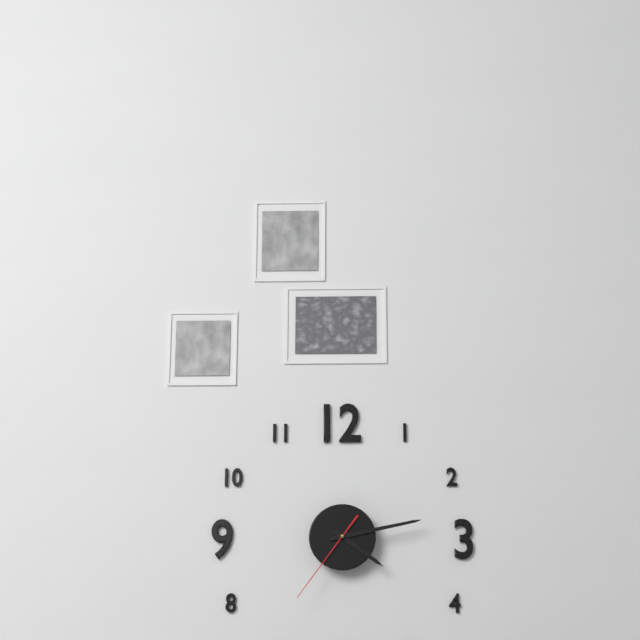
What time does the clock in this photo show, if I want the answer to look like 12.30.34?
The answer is 4.13.36
